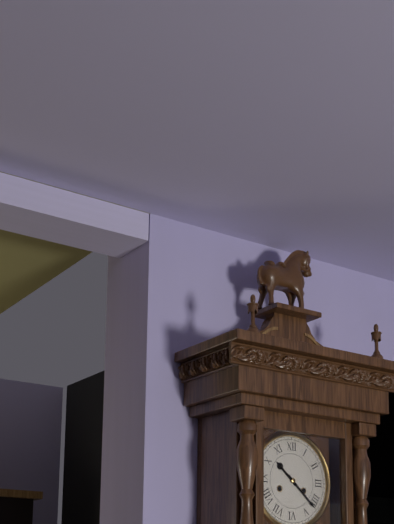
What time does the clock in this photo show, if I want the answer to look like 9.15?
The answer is 10.22
